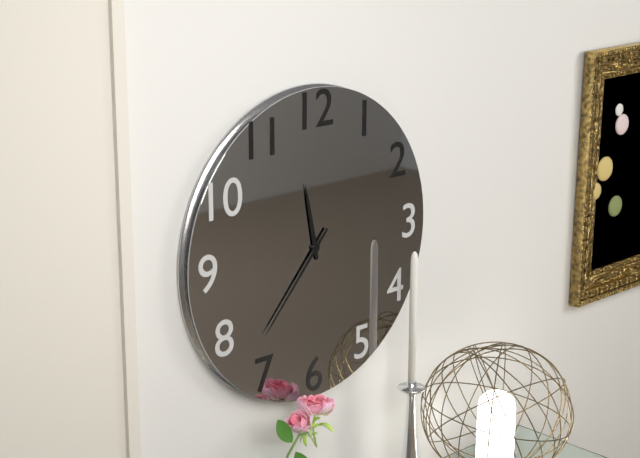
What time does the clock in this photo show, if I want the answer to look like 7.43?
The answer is 11.37
